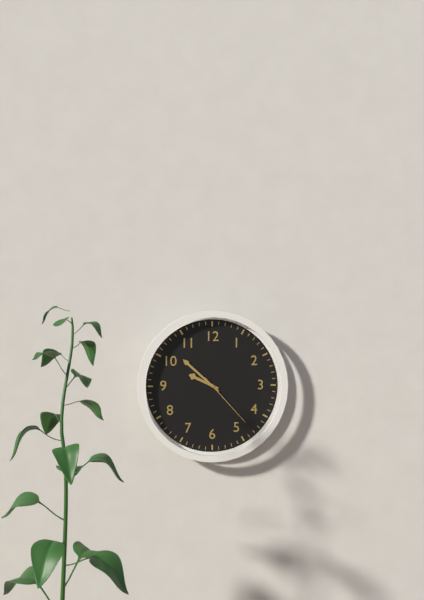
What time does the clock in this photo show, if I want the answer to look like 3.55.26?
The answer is 9.52.23
